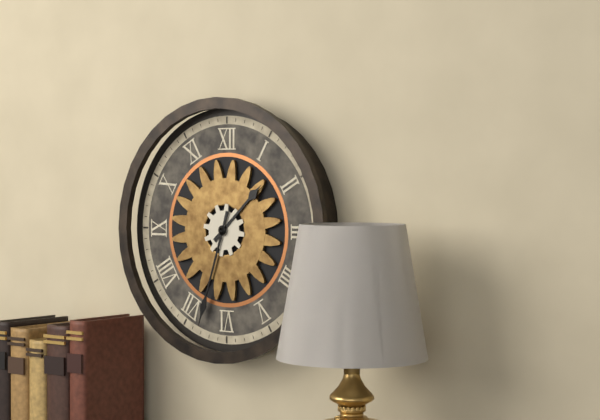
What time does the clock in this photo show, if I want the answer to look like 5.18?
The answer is 1.33
